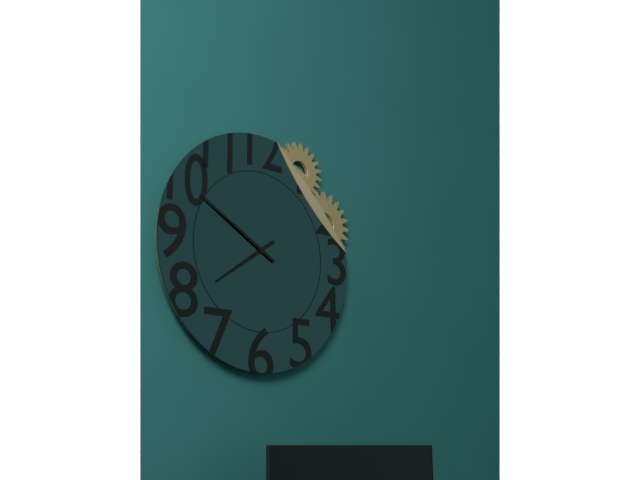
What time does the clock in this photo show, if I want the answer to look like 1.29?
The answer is 7.50
